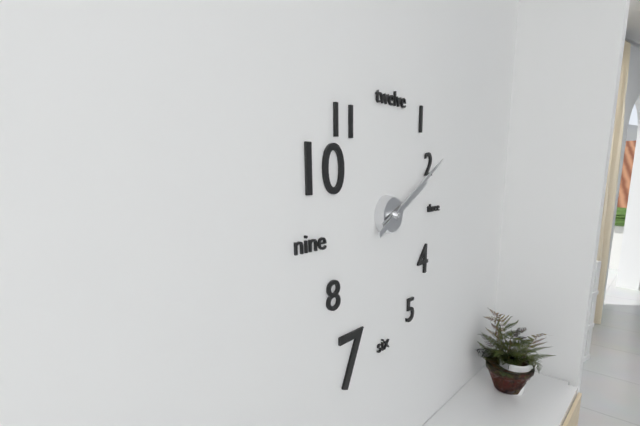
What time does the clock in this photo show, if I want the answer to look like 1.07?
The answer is 2.10
